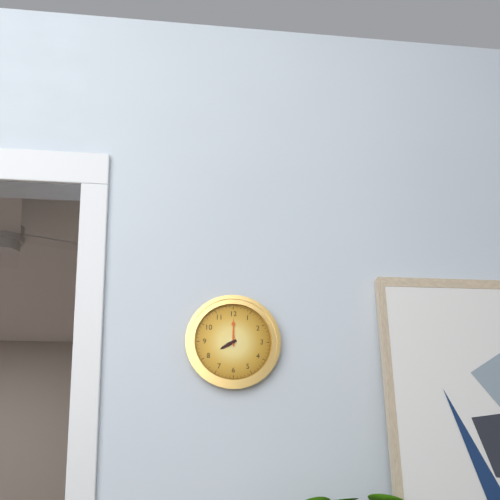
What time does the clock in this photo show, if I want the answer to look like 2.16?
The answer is 8.00
